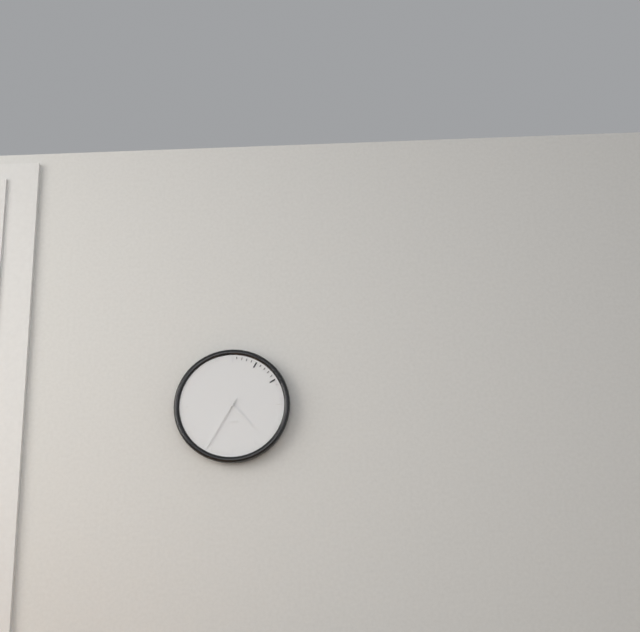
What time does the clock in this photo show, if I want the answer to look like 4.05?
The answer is 4.35
